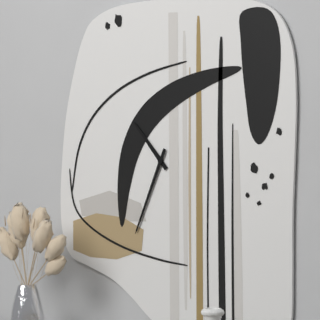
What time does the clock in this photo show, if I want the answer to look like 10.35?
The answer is 10.34
